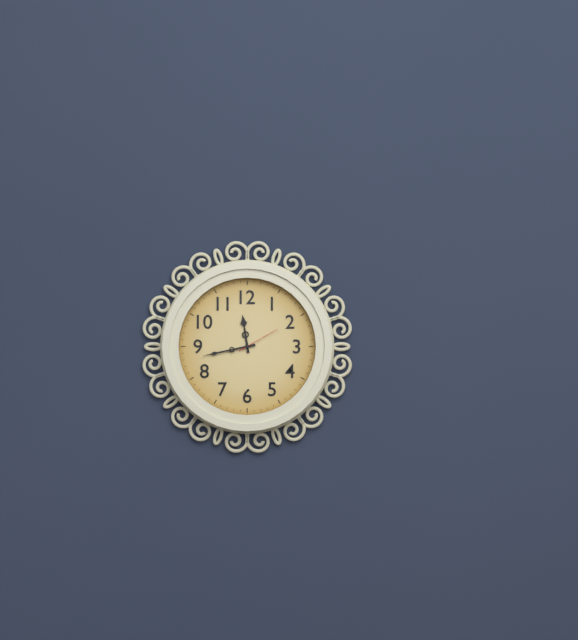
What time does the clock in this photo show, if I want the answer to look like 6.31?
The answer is 11.43
